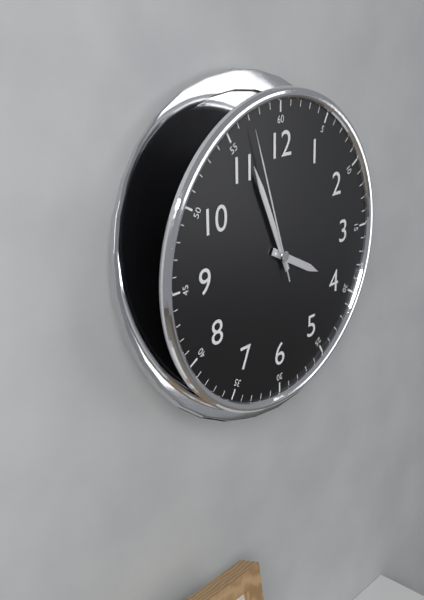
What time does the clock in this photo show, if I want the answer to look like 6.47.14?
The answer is 3.56.57
